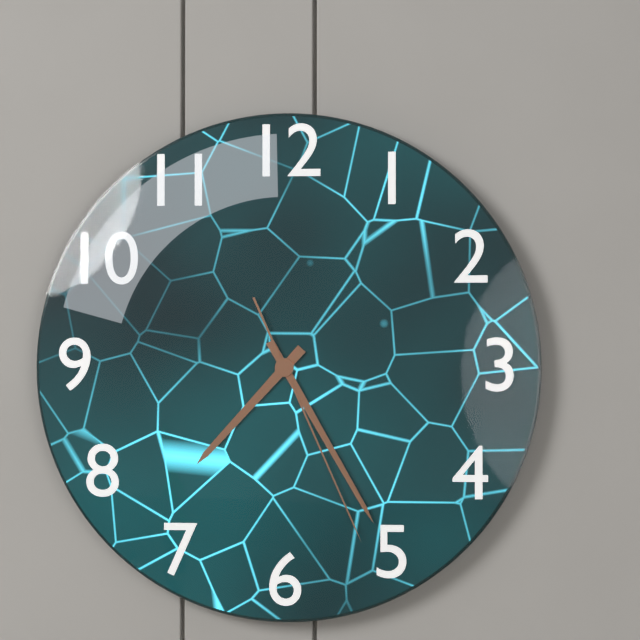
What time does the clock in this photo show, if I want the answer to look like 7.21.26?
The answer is 7.25.26
